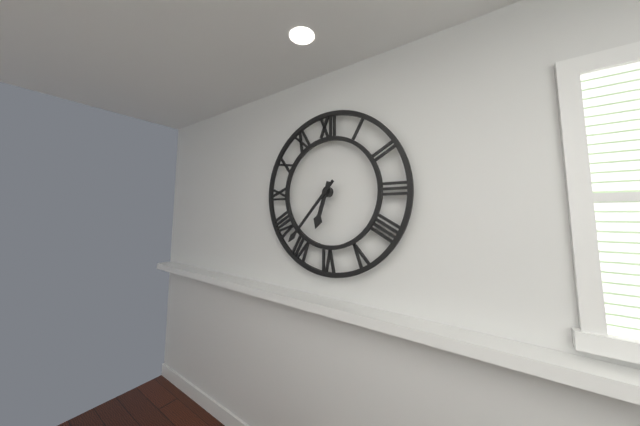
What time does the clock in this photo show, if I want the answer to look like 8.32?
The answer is 6.37
